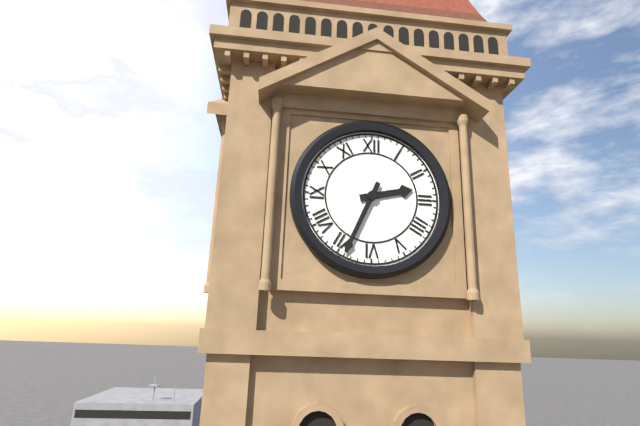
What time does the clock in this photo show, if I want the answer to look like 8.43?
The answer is 2.34
